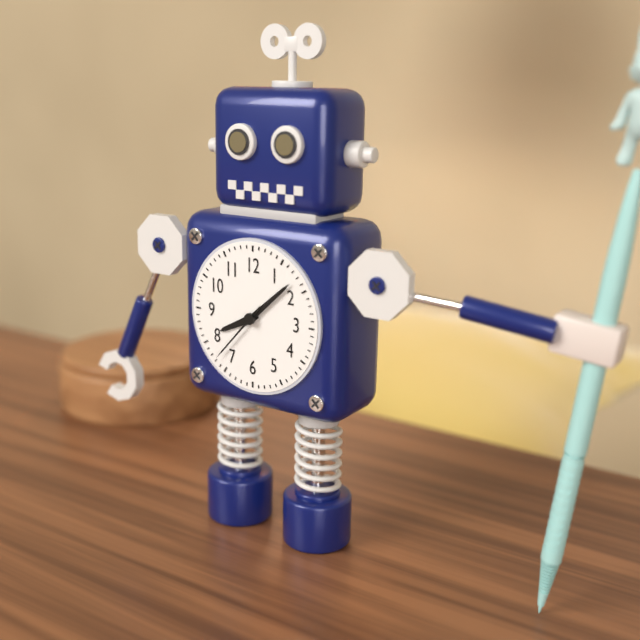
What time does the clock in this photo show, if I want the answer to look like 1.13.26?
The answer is 8.08.37
